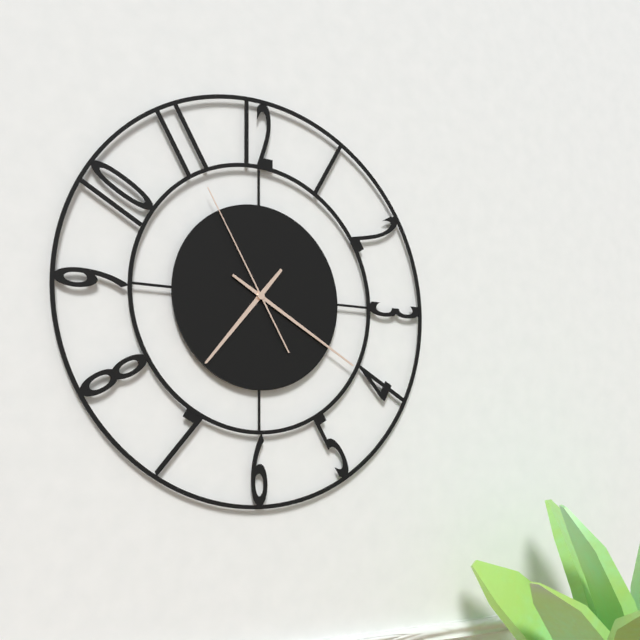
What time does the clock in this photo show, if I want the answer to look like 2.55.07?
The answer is 7.20.55
